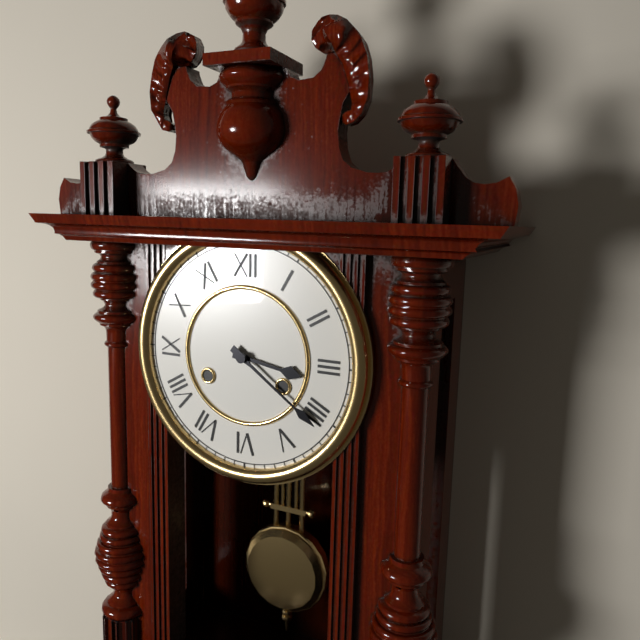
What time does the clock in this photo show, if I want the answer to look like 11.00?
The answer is 3.21
